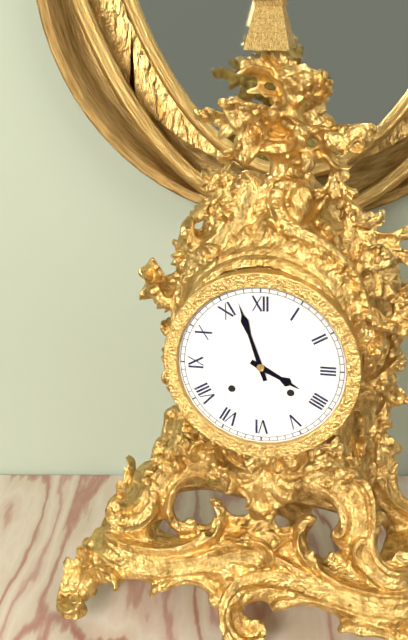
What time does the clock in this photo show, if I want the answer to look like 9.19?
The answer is 3.57
